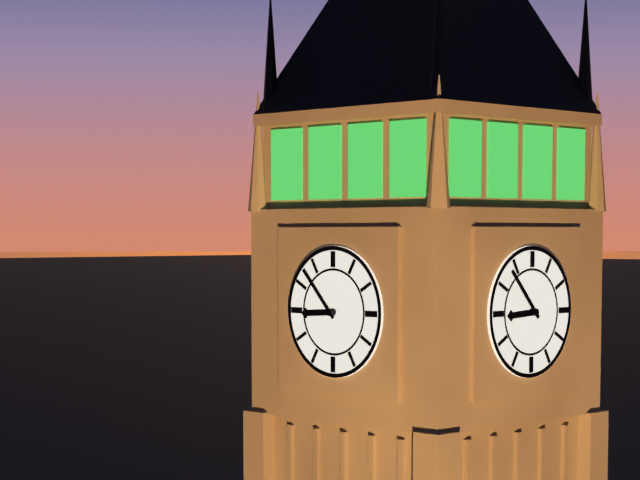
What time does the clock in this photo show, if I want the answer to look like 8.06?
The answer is 8.53
